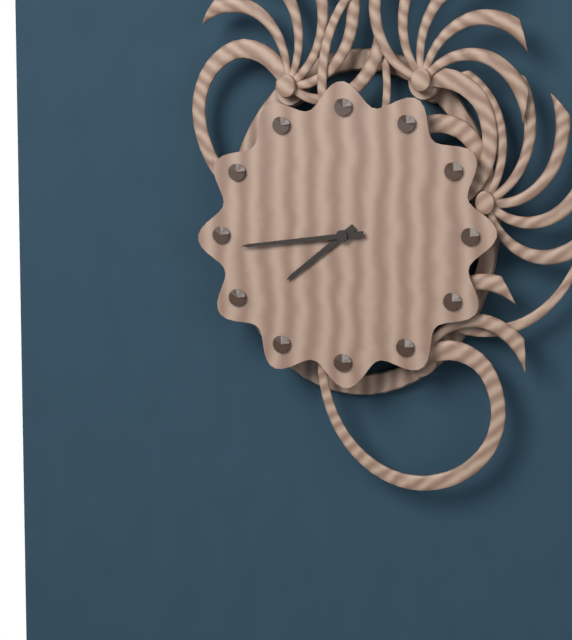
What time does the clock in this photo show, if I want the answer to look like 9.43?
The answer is 7.44
